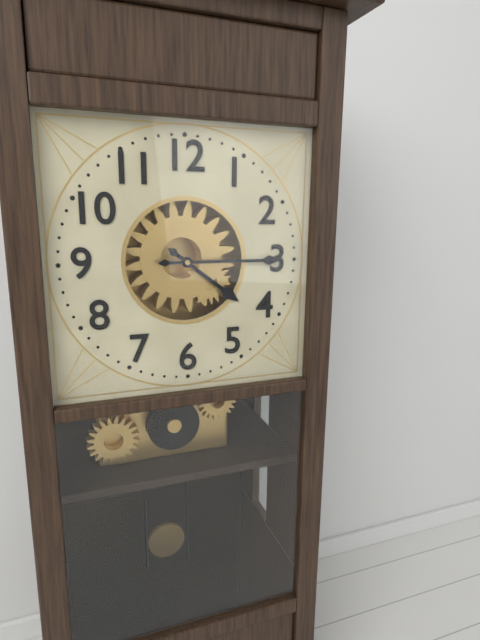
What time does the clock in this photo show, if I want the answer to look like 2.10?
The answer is 4.15
